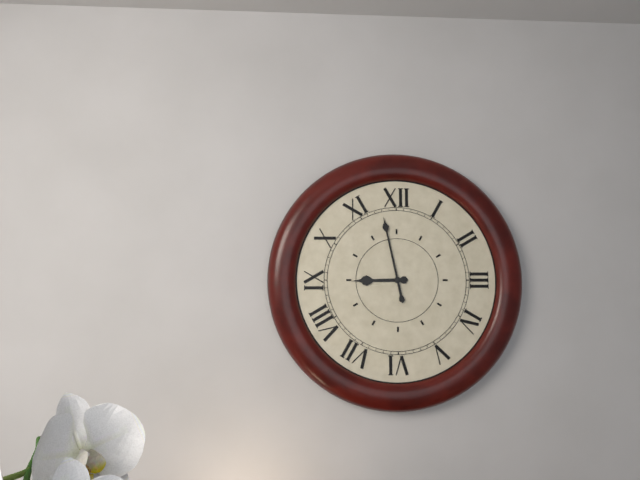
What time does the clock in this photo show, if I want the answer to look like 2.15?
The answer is 8.58
